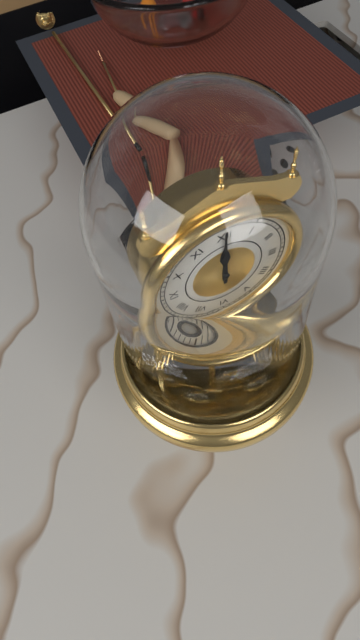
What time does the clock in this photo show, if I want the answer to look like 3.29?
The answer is 12.00
